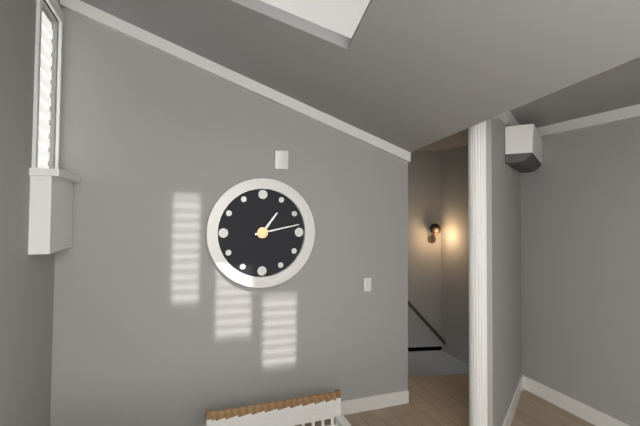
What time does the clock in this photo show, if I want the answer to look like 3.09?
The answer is 1.13
